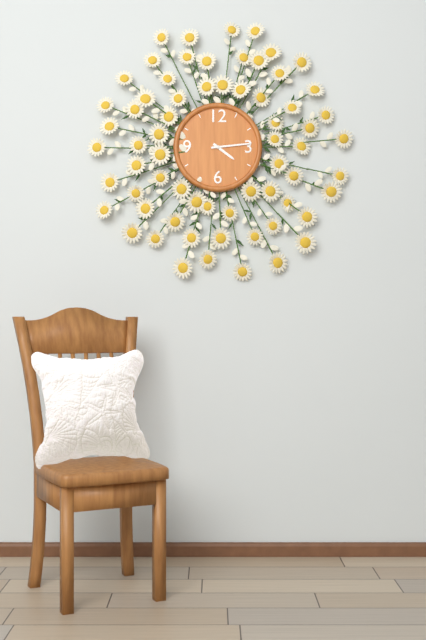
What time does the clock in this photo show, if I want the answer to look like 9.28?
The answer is 4.14
